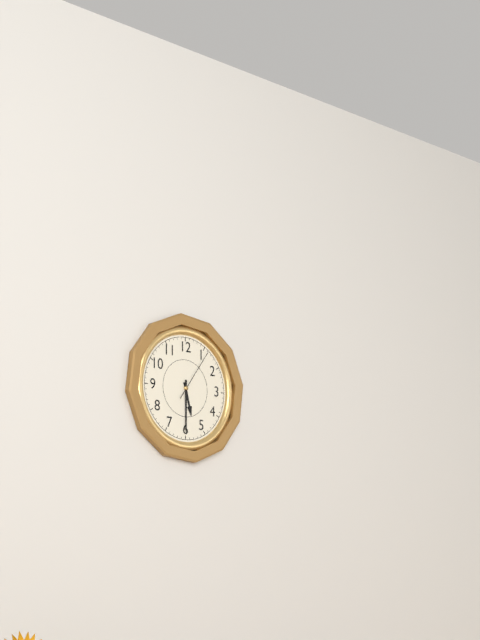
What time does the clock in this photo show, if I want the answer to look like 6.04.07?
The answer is 5.30.06
